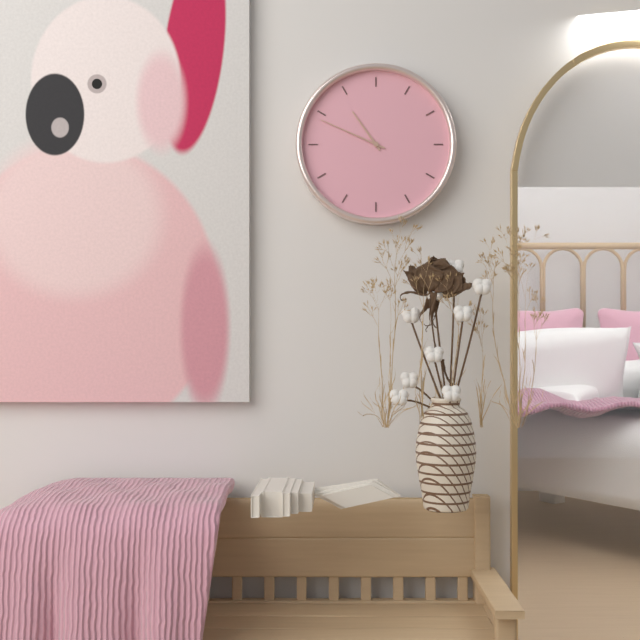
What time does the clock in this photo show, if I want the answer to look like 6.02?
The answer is 10.49
